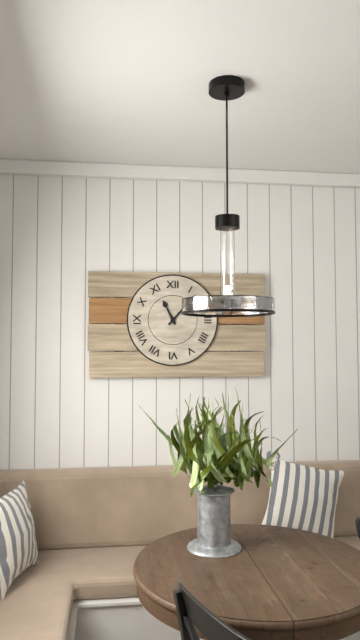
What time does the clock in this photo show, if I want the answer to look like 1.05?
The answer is 11.07
